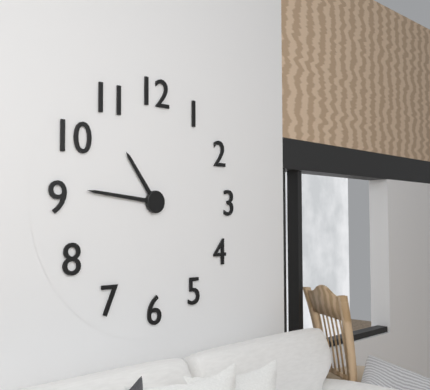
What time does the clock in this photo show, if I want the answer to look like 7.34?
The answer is 10.46
